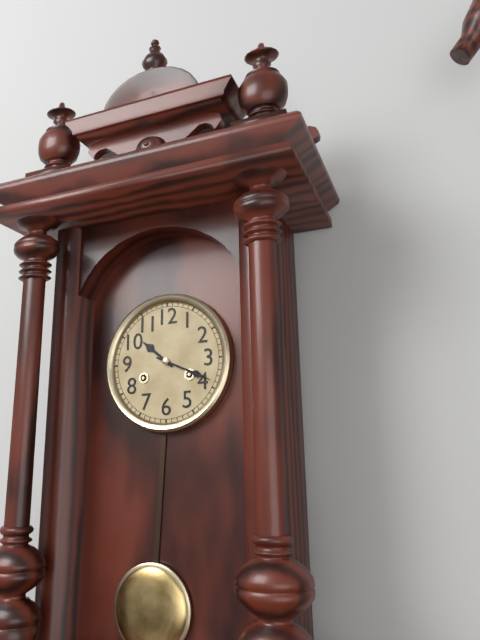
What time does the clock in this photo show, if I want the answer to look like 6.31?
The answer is 10.19
